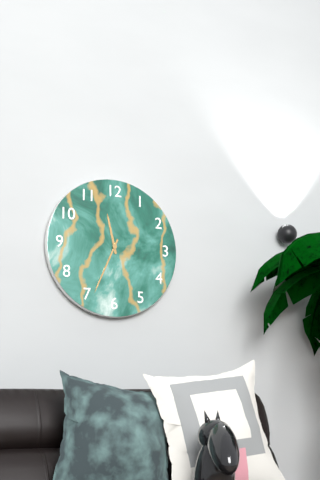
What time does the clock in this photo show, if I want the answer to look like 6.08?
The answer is 11.34
